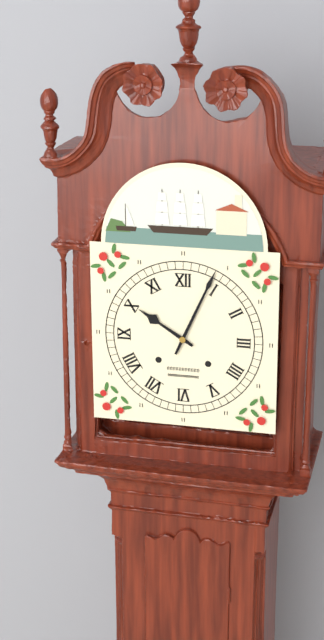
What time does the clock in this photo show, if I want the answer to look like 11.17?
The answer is 10.04
